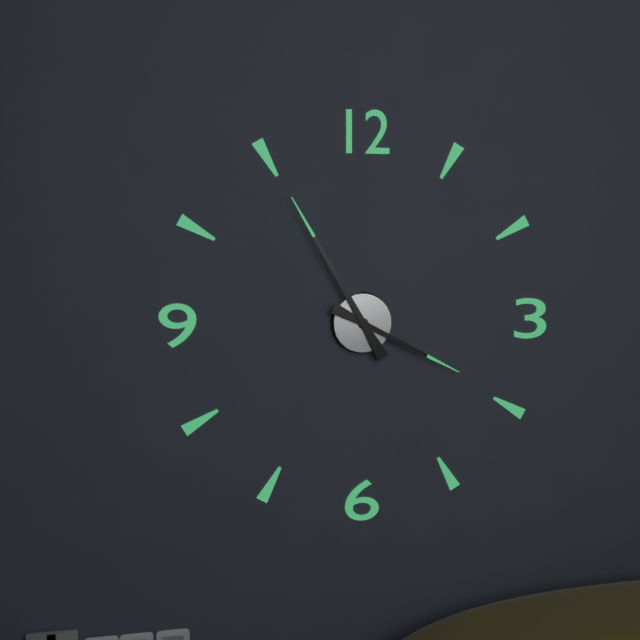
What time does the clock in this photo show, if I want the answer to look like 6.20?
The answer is 3.55
